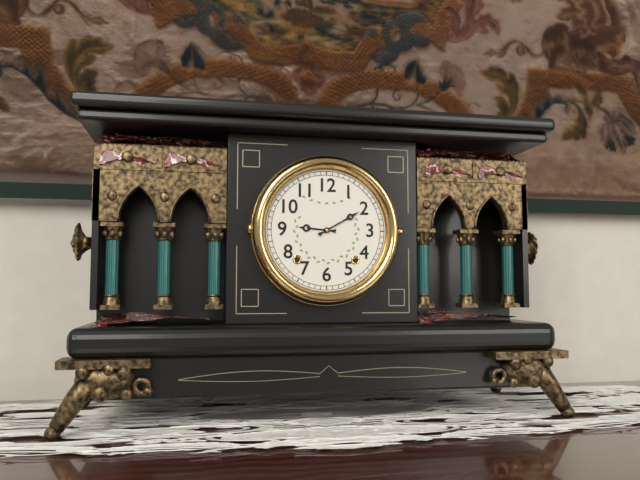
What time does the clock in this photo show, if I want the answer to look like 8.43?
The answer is 9.10
